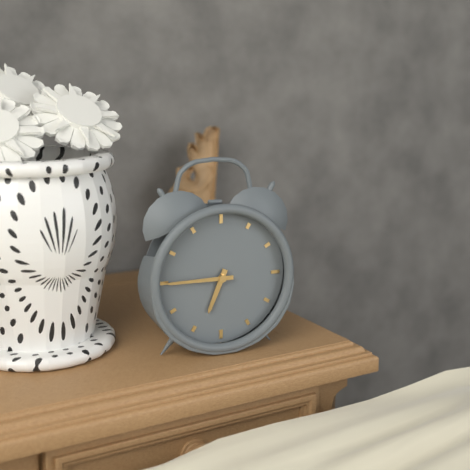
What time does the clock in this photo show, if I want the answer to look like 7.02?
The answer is 6.45
